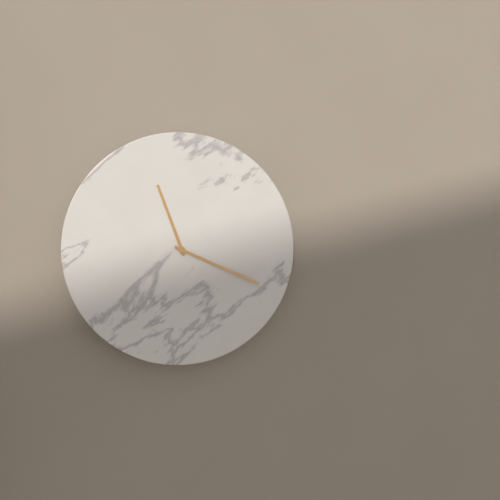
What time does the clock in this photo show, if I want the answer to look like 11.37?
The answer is 11.19
